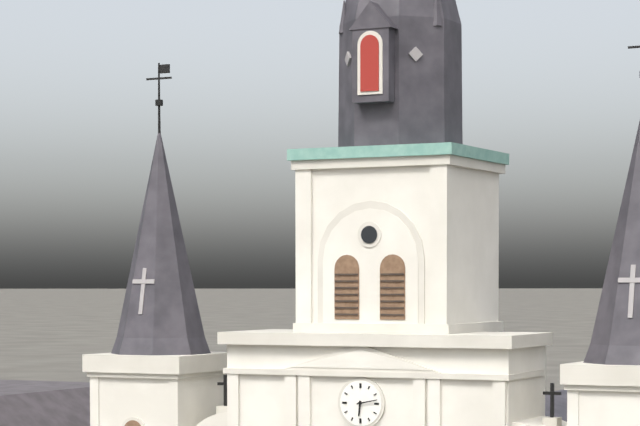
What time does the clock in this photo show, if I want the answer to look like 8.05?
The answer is 6.13
